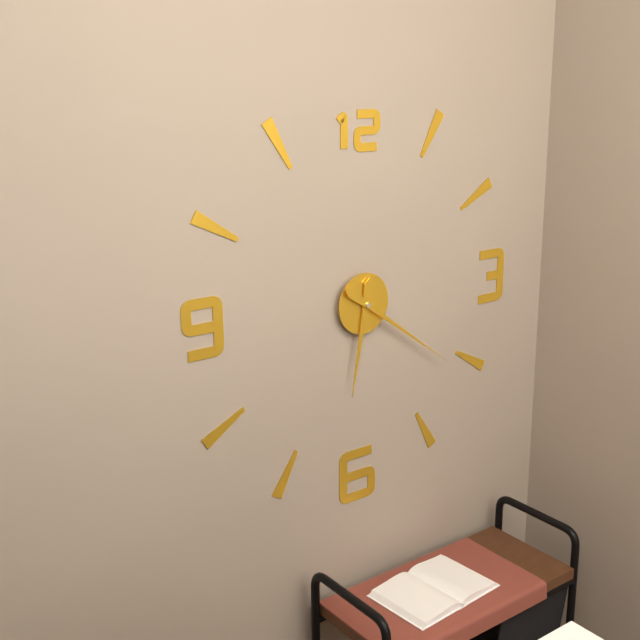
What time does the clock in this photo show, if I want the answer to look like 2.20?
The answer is 6.21
